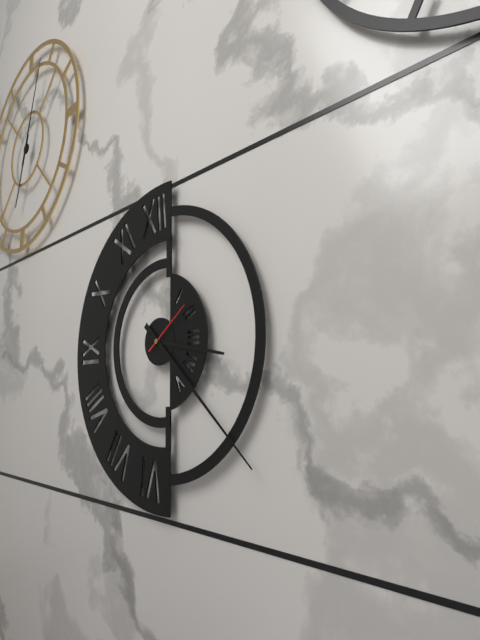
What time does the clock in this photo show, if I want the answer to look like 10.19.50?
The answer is 3.22.09
